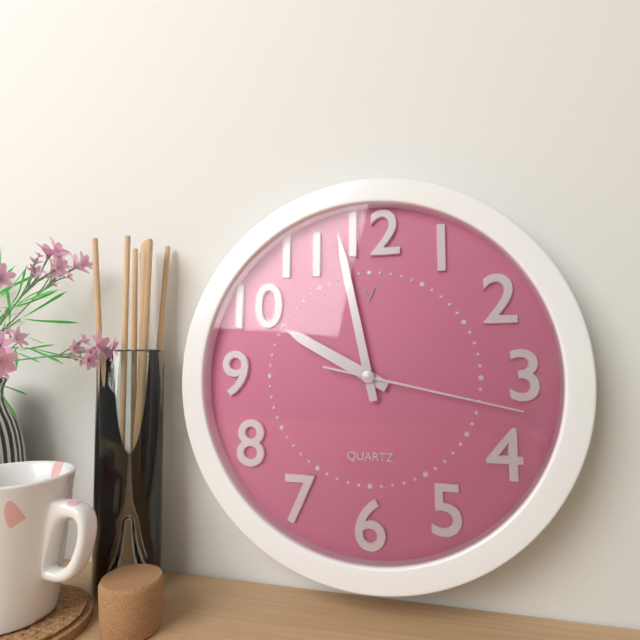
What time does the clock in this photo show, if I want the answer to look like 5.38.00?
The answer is 9.58.17
